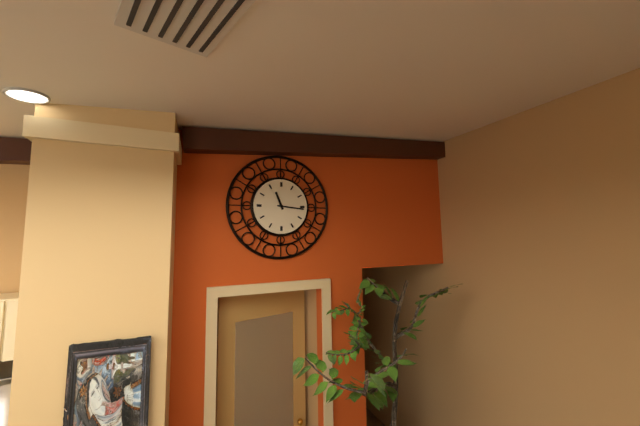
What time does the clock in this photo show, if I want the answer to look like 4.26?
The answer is 11.16
